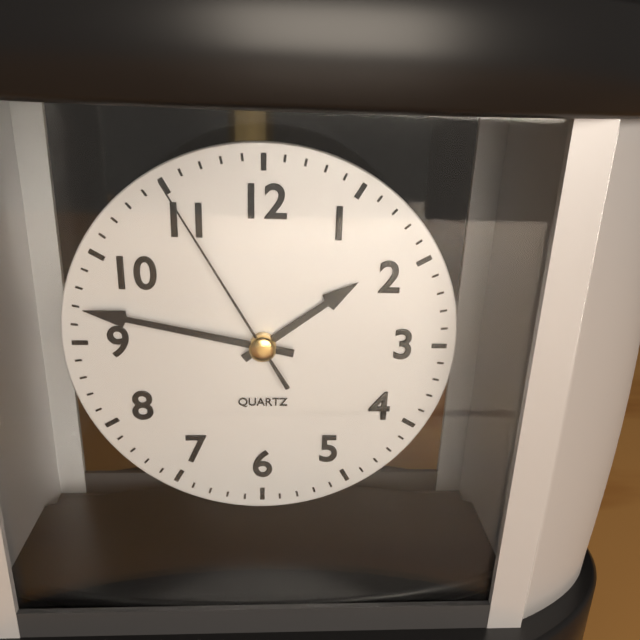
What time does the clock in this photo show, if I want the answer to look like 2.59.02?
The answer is 1.47.55
